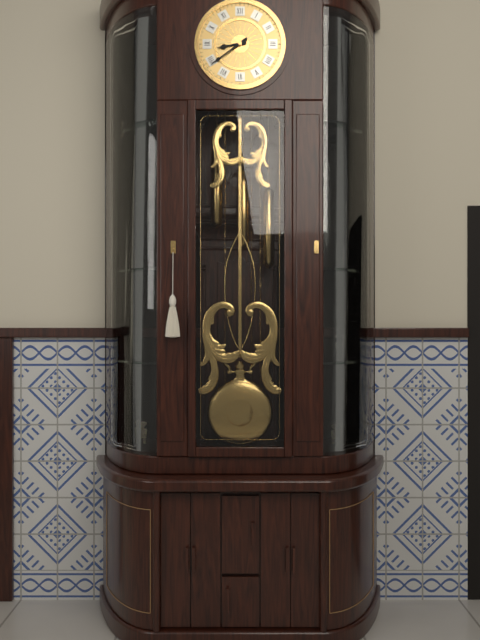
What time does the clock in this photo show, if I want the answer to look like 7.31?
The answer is 8.39
